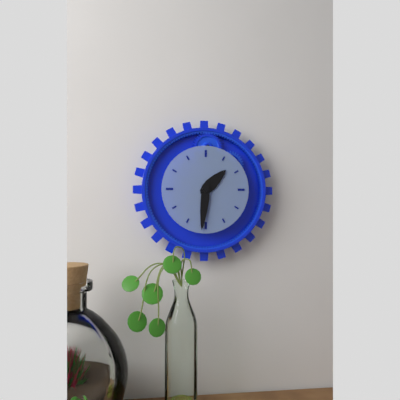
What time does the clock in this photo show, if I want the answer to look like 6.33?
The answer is 1.31
